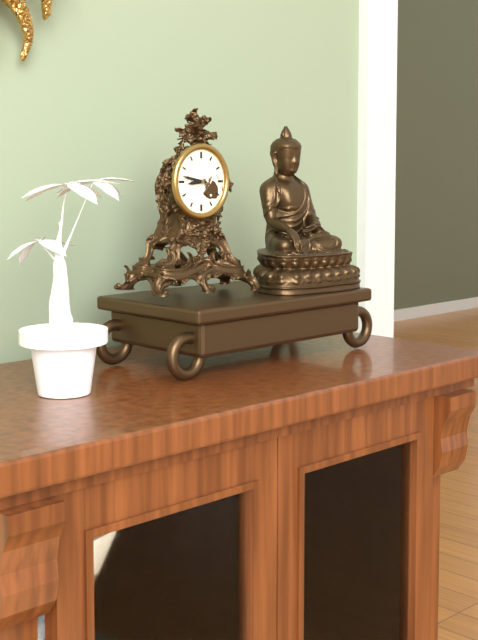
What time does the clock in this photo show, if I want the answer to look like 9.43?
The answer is 8.47
